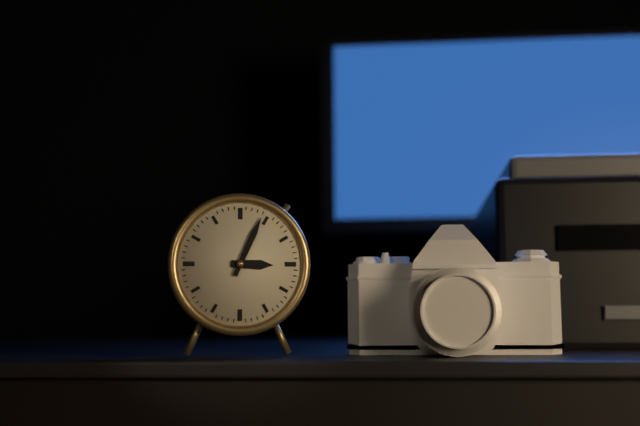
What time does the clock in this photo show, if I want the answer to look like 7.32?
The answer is 3.04
